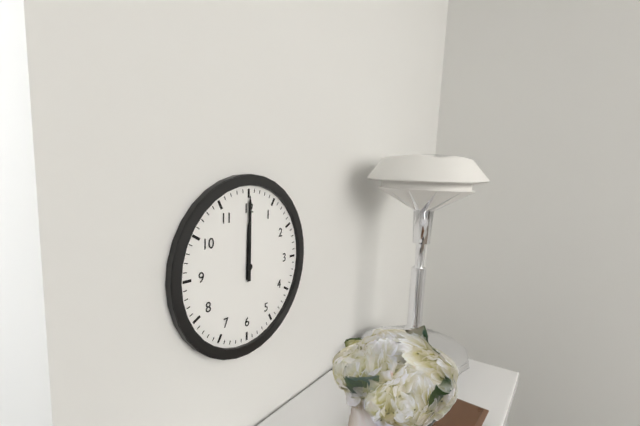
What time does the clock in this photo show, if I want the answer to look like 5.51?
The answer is 12.00
